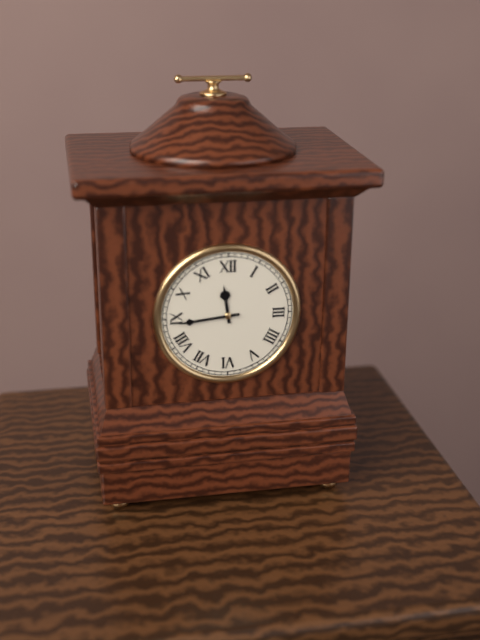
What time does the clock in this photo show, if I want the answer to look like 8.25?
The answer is 11.44
